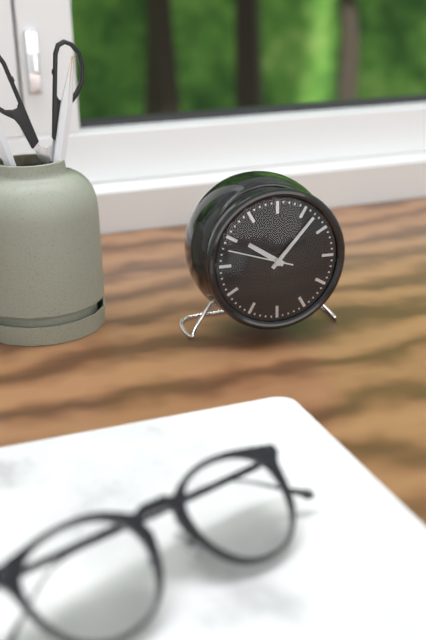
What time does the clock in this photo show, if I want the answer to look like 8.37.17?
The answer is 10.07.48
